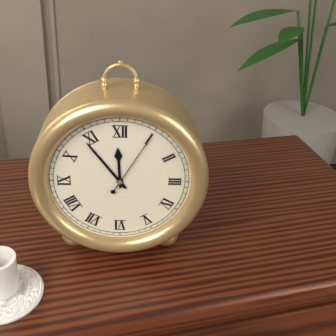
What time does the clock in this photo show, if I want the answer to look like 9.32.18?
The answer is 11.54.05
